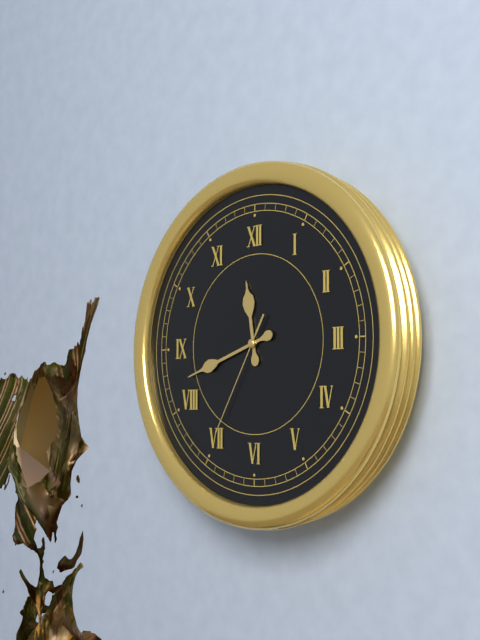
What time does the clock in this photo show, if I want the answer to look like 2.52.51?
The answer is 11.42.35
